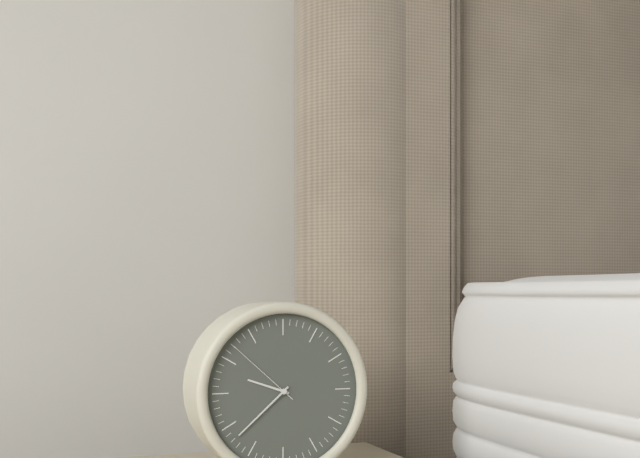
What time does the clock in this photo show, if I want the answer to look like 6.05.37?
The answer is 9.38.52
